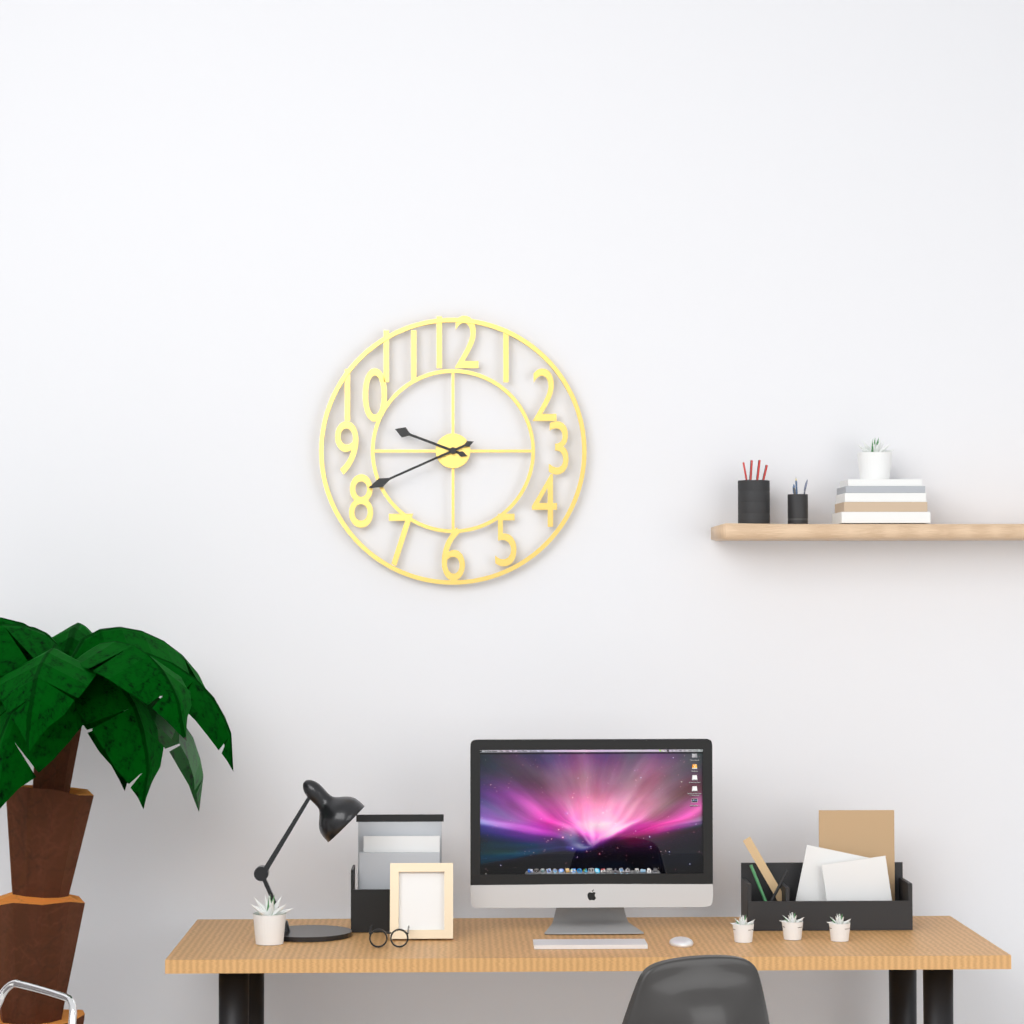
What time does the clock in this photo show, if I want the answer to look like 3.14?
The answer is 9.41
